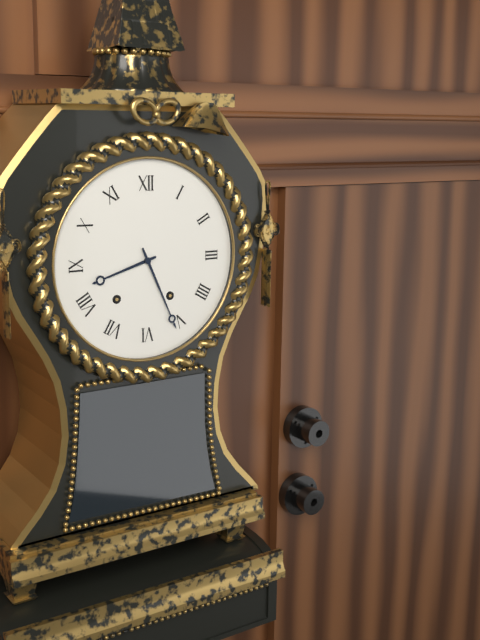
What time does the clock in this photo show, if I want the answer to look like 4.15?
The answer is 8.26
